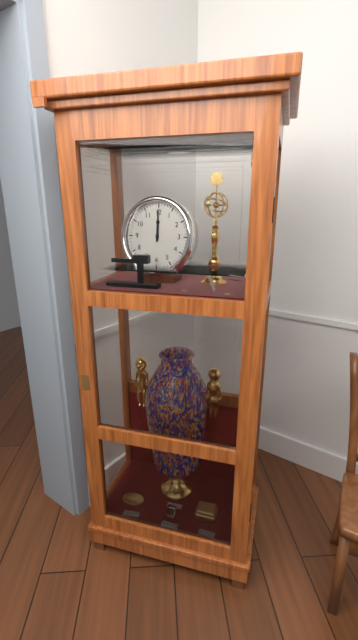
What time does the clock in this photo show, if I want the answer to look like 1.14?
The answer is 12.00
